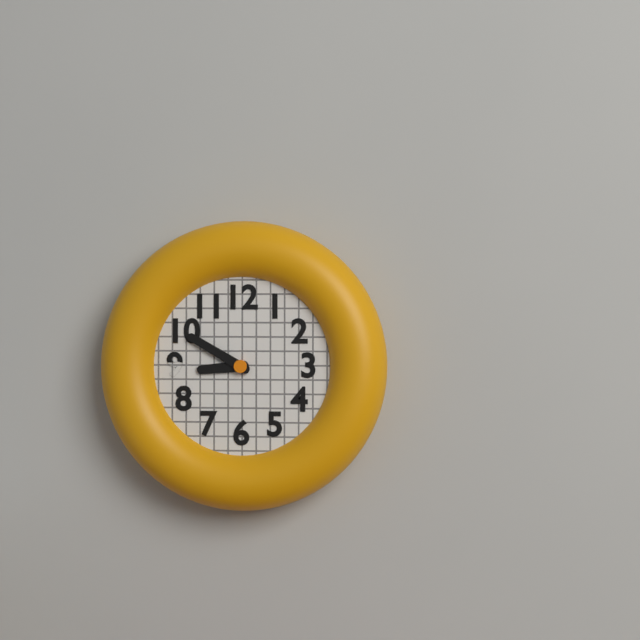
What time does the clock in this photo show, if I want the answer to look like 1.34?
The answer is 8.50
